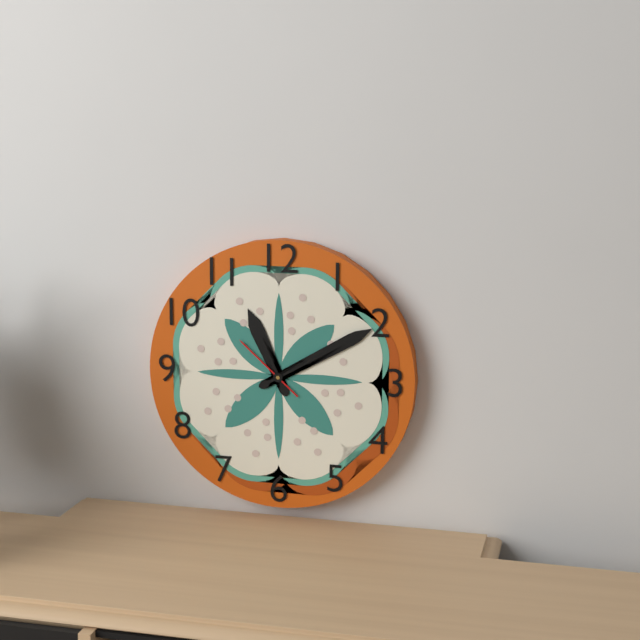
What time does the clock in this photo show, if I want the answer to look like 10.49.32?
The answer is 11.10.52
